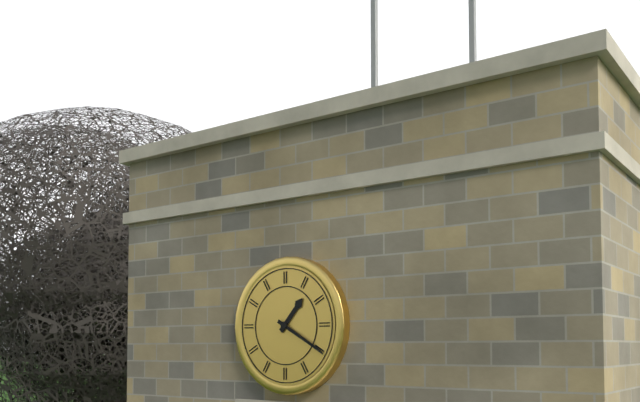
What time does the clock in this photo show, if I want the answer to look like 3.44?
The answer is 1.20
